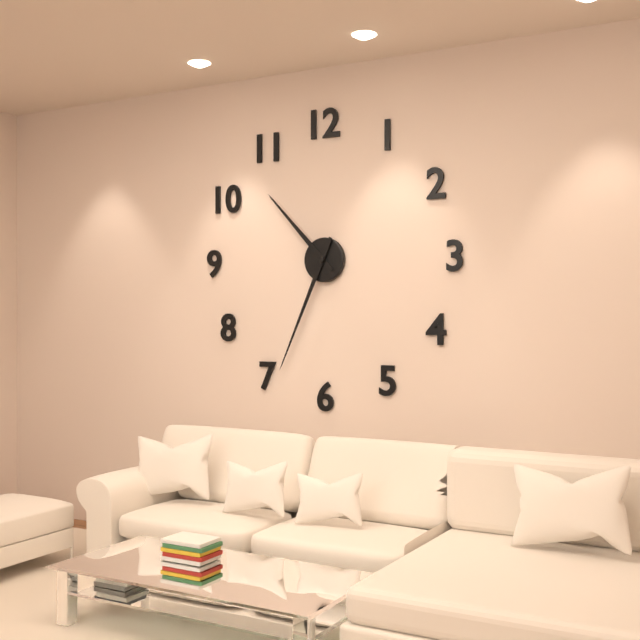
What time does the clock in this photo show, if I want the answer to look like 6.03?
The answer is 10.34
